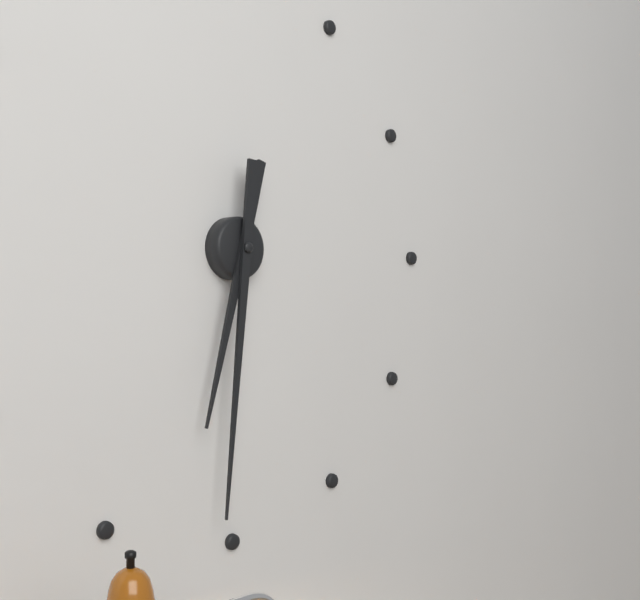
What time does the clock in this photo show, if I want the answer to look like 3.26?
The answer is 6.31
